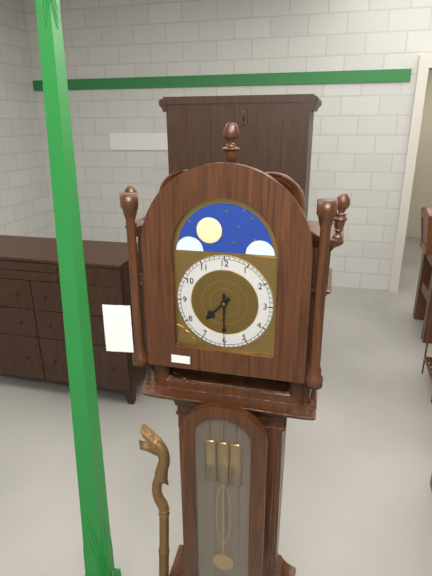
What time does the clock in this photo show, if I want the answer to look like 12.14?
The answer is 7.30
